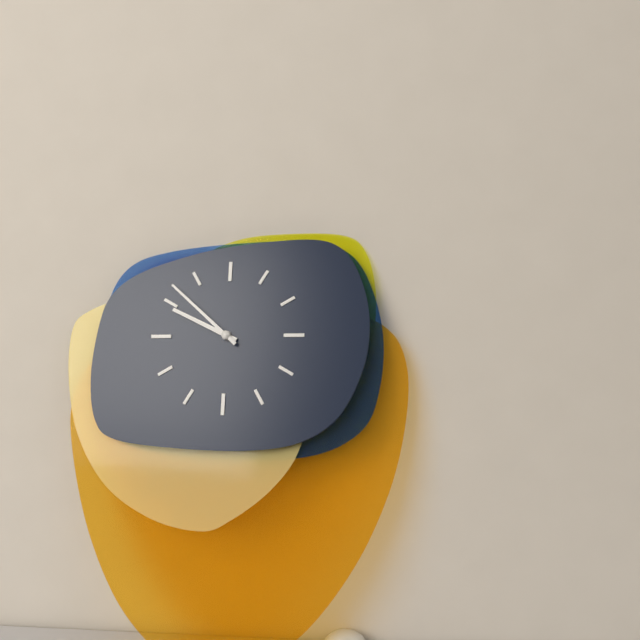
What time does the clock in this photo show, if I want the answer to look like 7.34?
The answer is 9.52
